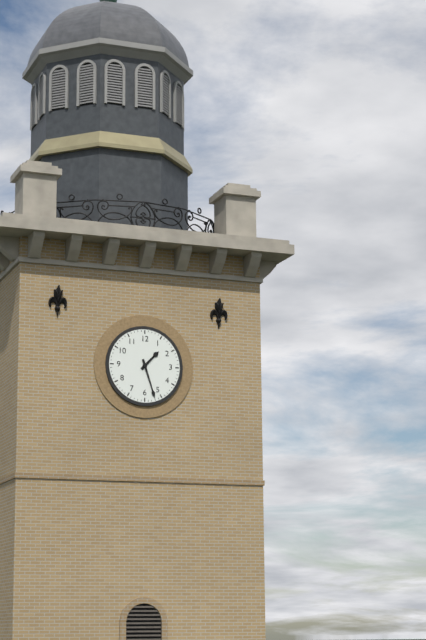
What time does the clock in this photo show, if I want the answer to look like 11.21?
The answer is 1.27
